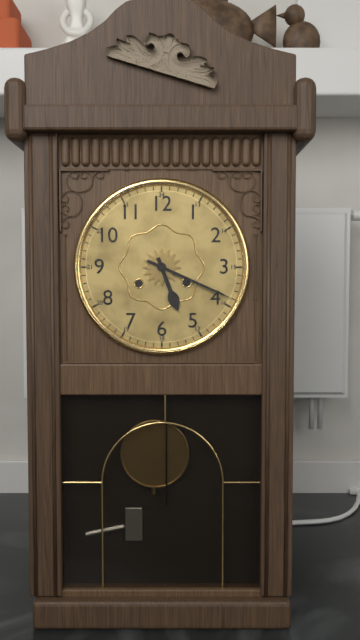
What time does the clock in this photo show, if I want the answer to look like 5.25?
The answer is 5.19
